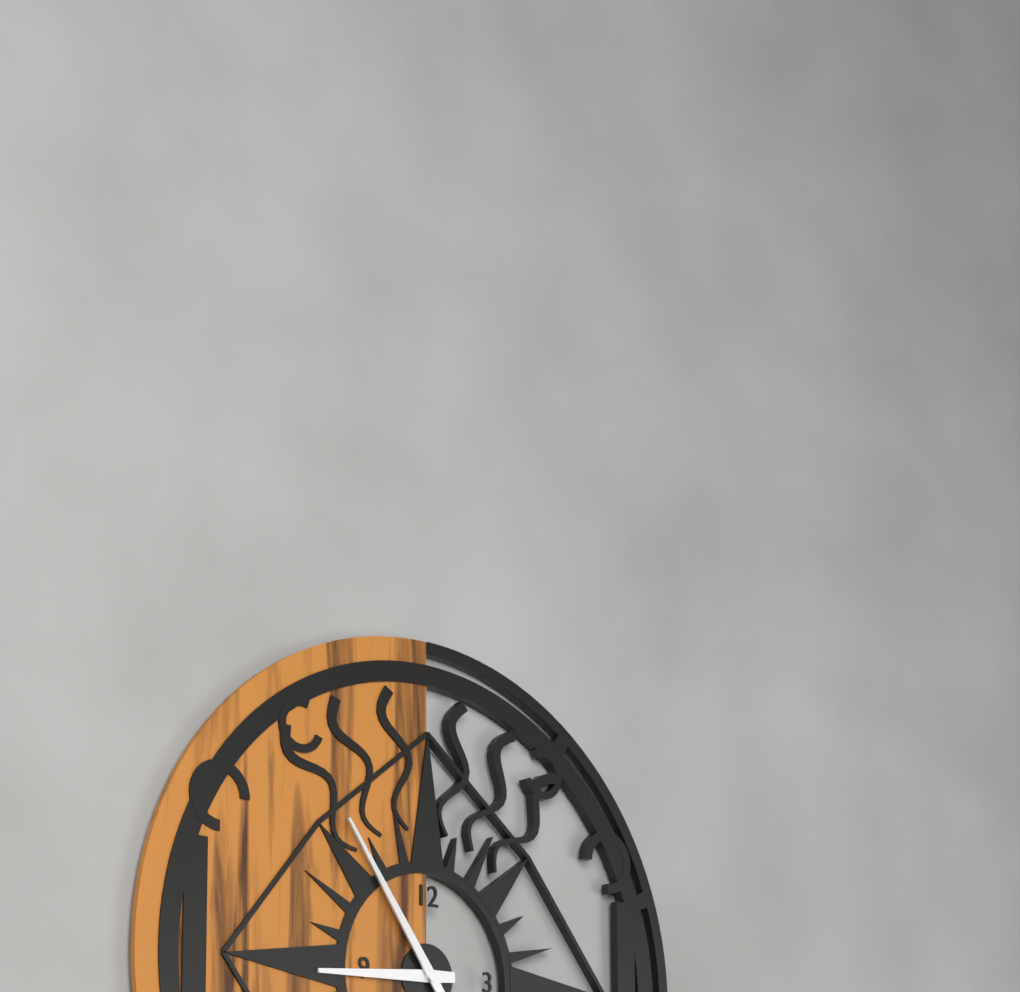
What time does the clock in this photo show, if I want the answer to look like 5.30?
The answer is 8.54
